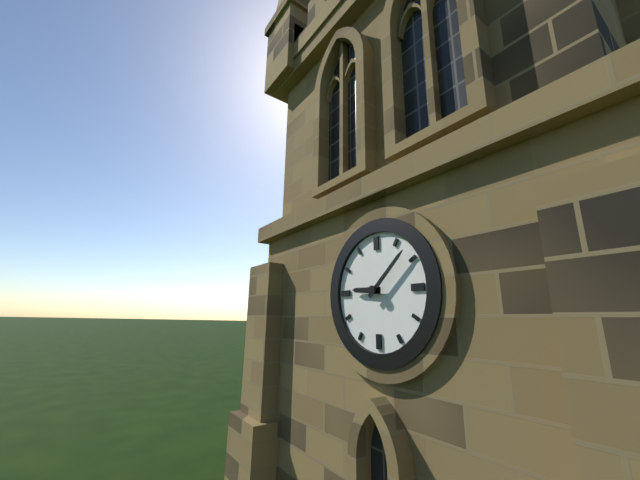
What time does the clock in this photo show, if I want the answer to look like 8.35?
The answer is 9.08
